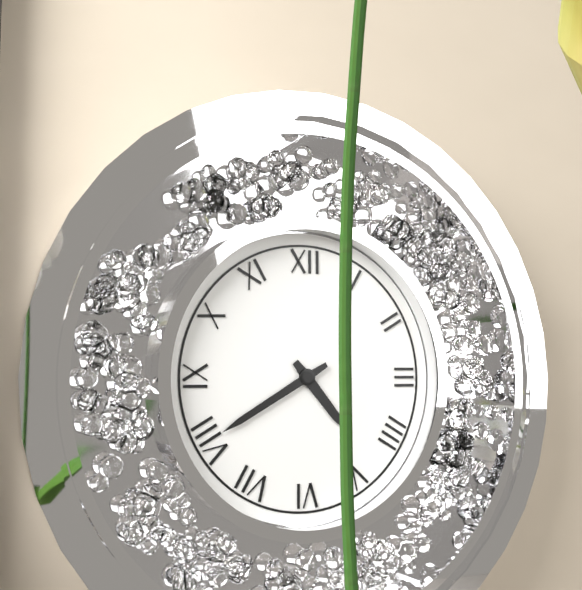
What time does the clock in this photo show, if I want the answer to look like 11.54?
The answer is 4.40
